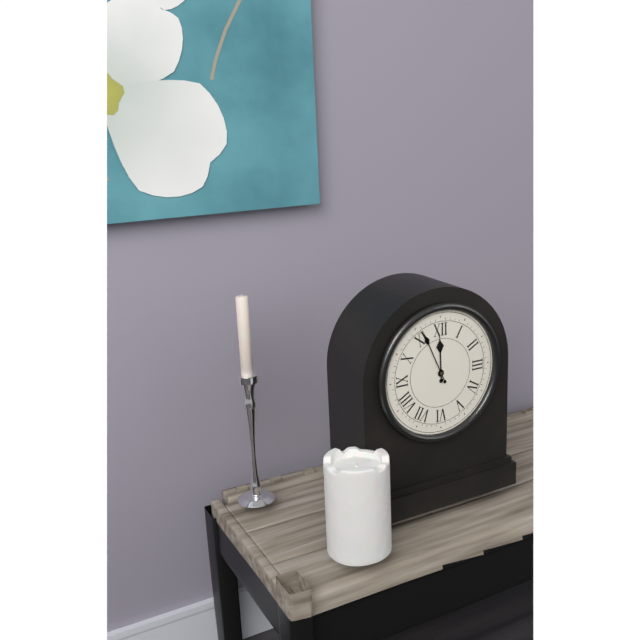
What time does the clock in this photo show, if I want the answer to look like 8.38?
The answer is 11.56
